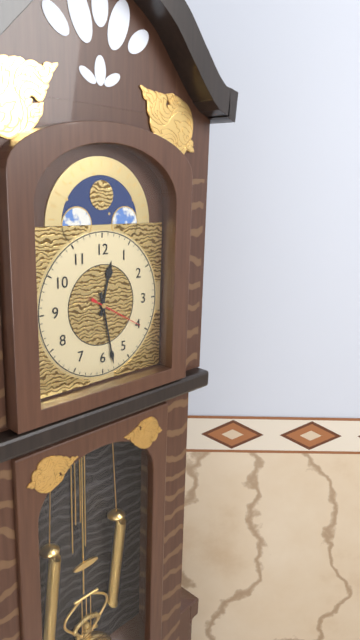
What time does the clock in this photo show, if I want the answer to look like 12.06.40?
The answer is 12.28.20
